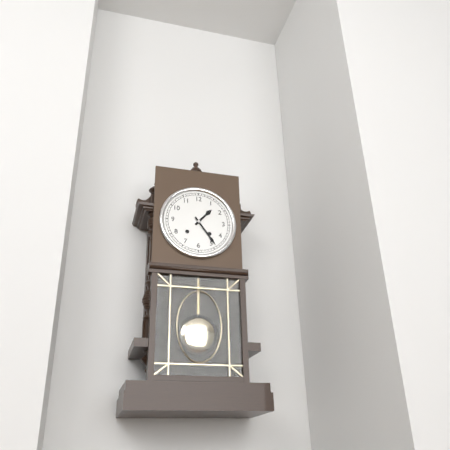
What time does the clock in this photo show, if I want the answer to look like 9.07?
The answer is 1.24
